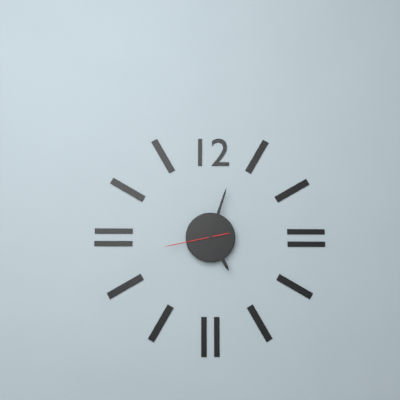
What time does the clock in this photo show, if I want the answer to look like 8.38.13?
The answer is 5.03.43
